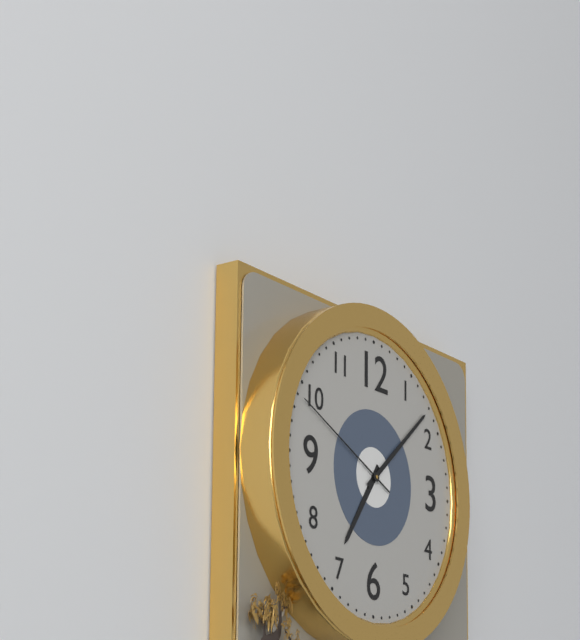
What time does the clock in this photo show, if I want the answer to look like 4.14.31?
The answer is 7.08.49
